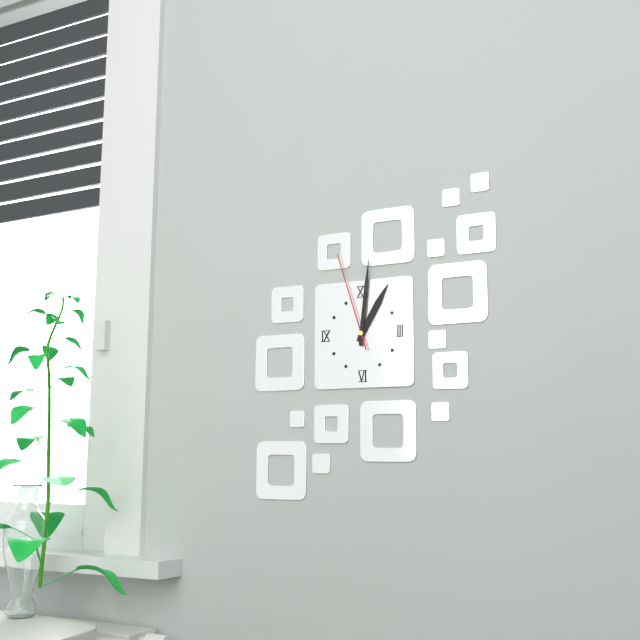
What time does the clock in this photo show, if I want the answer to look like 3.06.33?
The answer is 1.01.57
